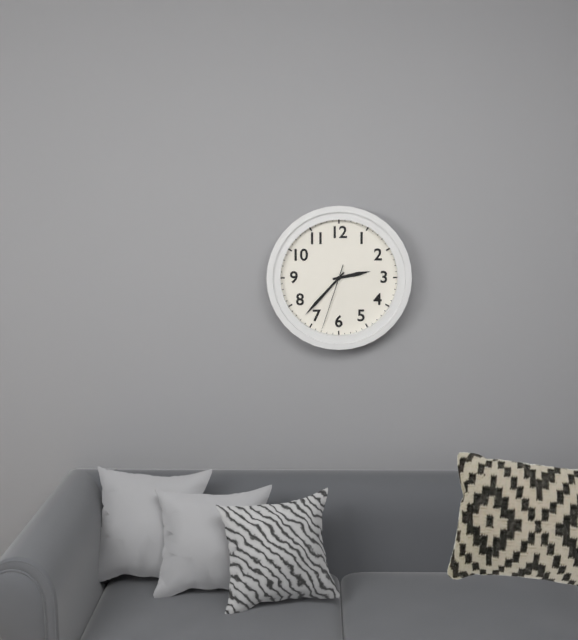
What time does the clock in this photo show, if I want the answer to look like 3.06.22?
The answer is 2.37.33
